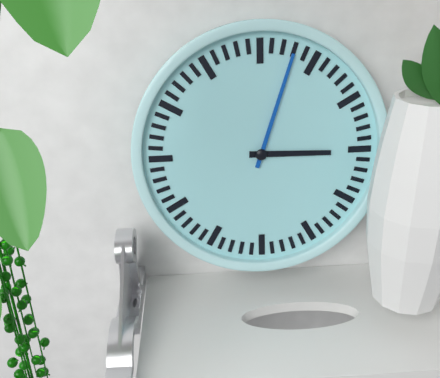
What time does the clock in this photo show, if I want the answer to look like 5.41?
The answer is 3.03
